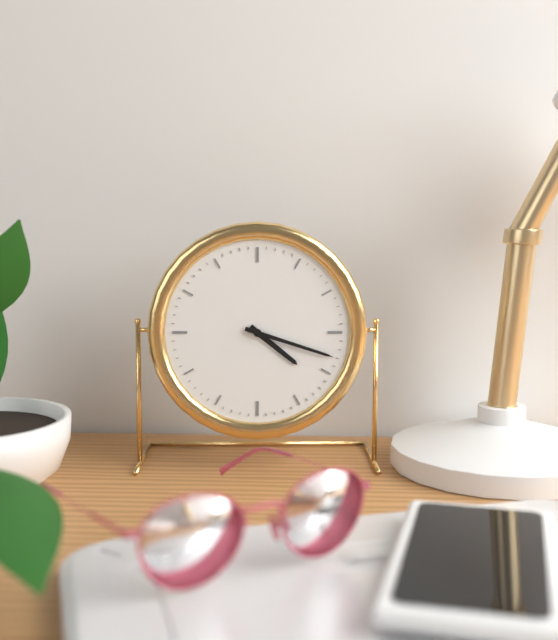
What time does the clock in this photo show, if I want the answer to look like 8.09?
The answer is 4.18
